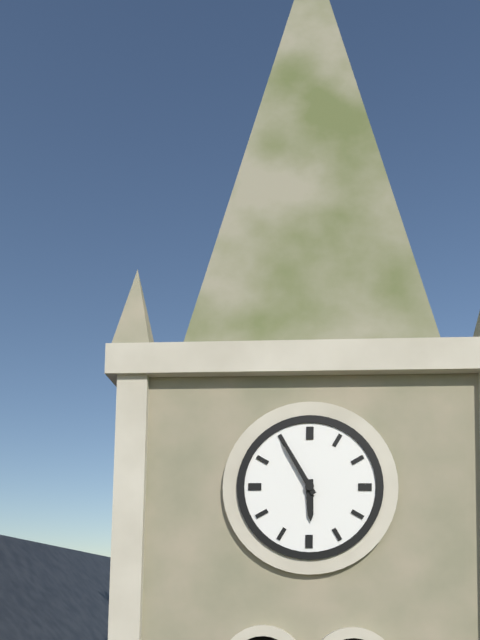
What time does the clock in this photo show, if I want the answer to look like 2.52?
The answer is 5.55
